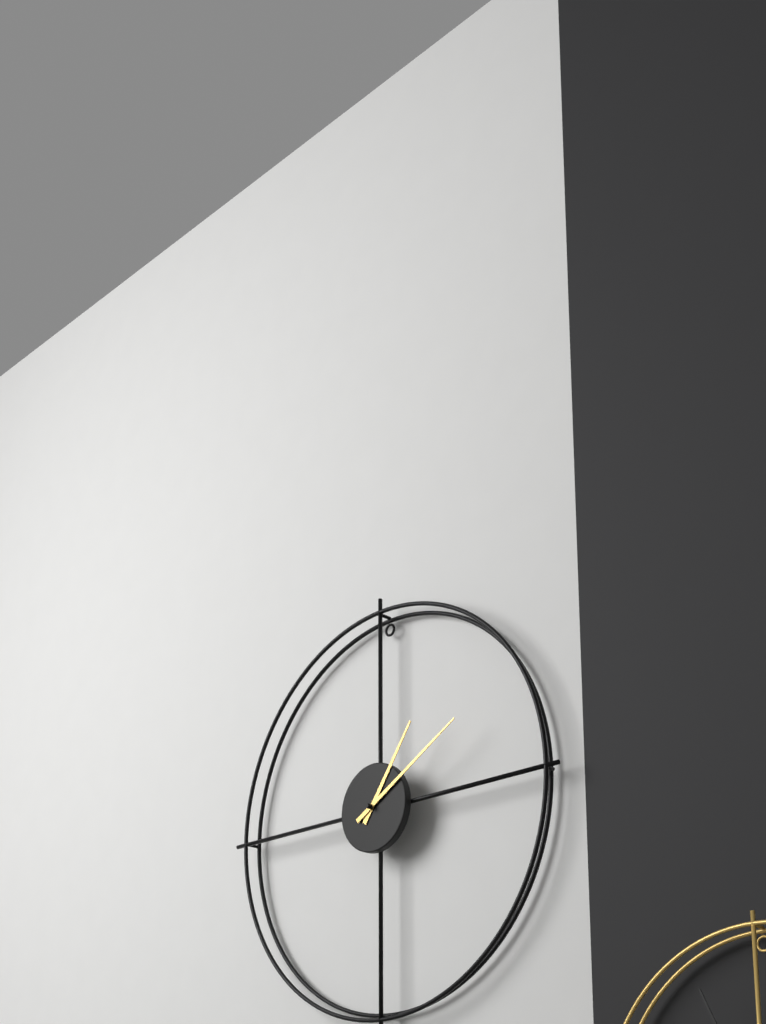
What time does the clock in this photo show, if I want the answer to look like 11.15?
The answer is 1.10
